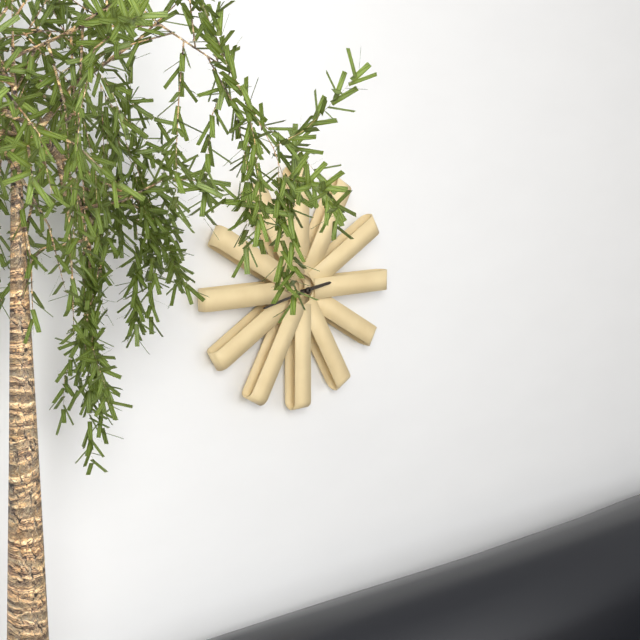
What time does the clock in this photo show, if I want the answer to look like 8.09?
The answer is 2.43
